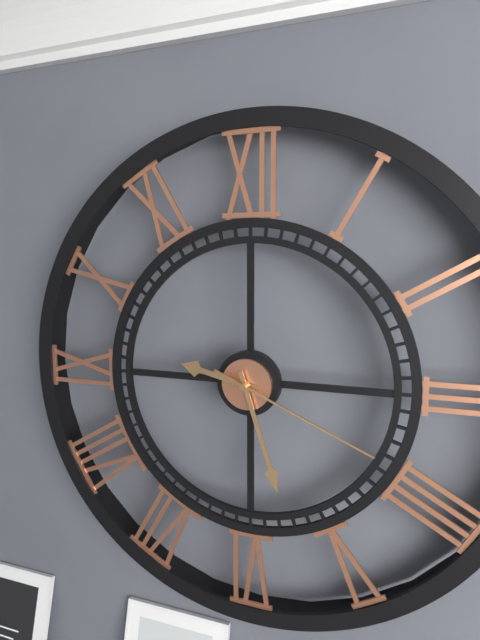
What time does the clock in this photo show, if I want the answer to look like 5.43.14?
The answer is 9.27.19
